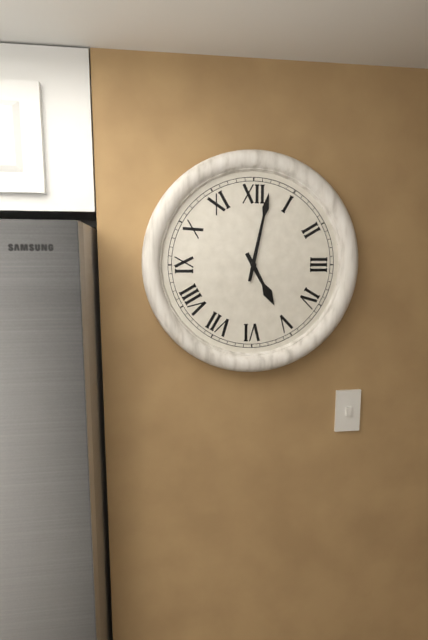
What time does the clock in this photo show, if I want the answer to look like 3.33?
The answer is 5.02
